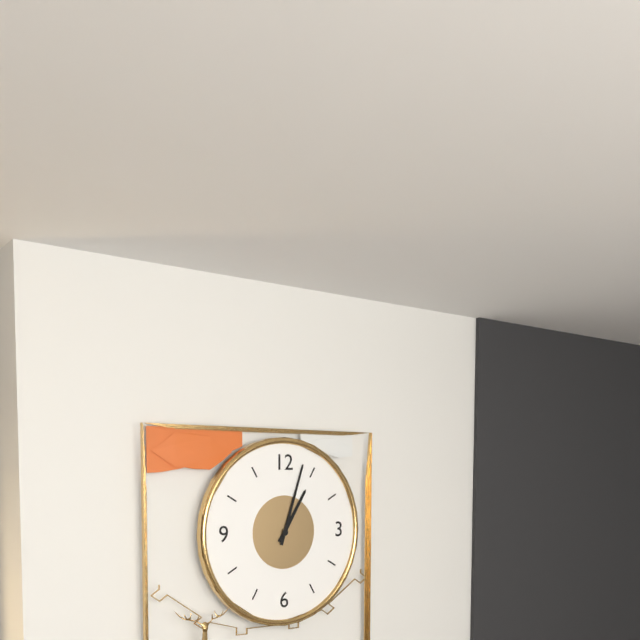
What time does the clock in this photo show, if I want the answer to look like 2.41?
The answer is 1.03
